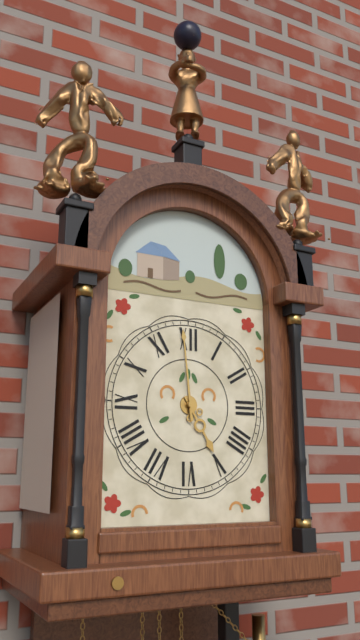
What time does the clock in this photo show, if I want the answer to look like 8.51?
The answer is 4.59
